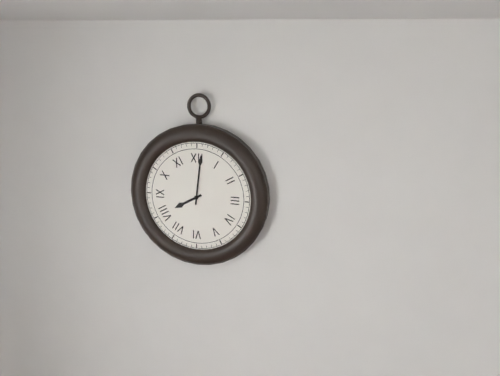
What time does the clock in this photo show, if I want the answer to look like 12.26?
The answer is 8.01
